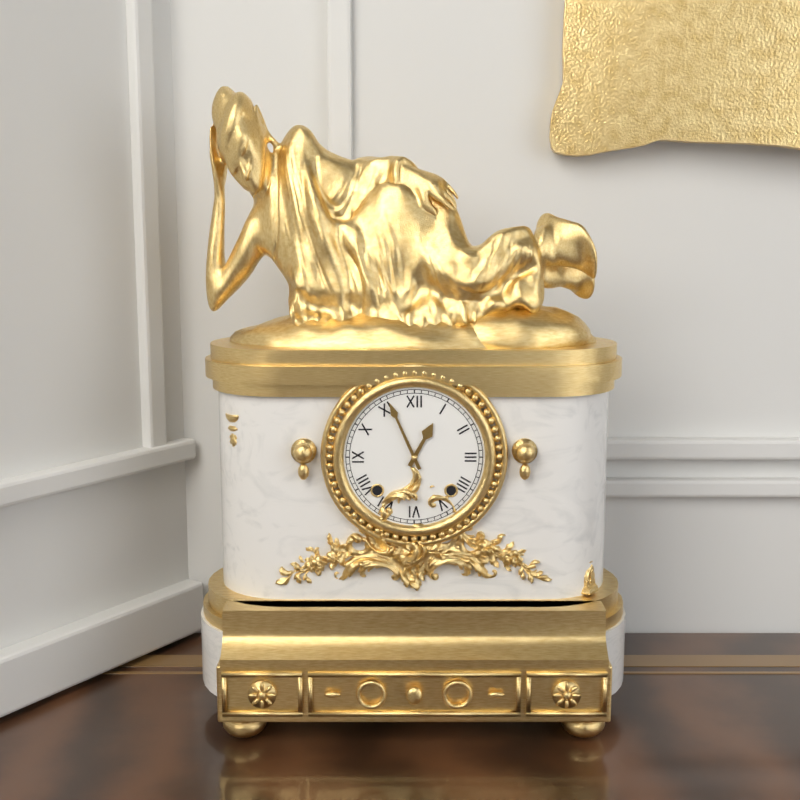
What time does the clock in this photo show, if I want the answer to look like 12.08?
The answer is 12.56
